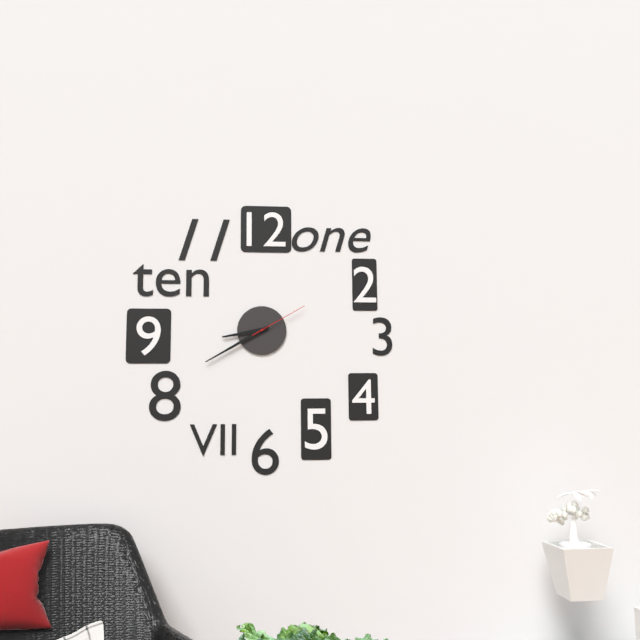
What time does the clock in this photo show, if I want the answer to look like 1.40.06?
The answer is 8.40.10
